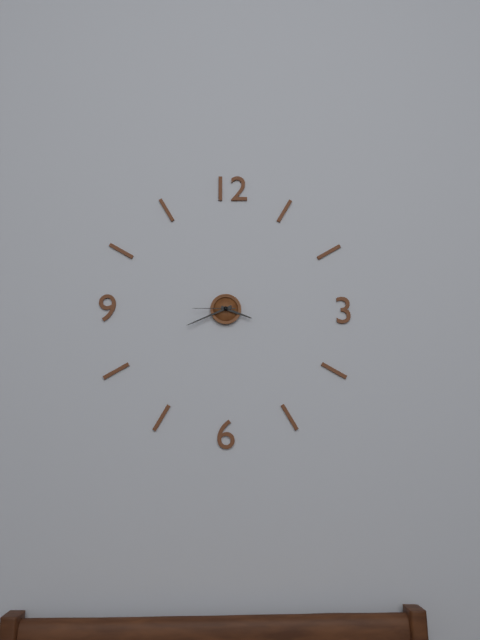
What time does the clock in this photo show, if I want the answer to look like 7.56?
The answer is 3.41
